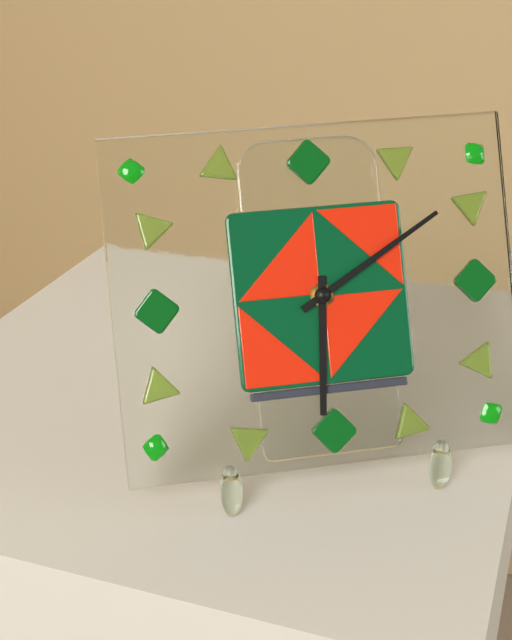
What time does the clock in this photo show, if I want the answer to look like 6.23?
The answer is 6.10
